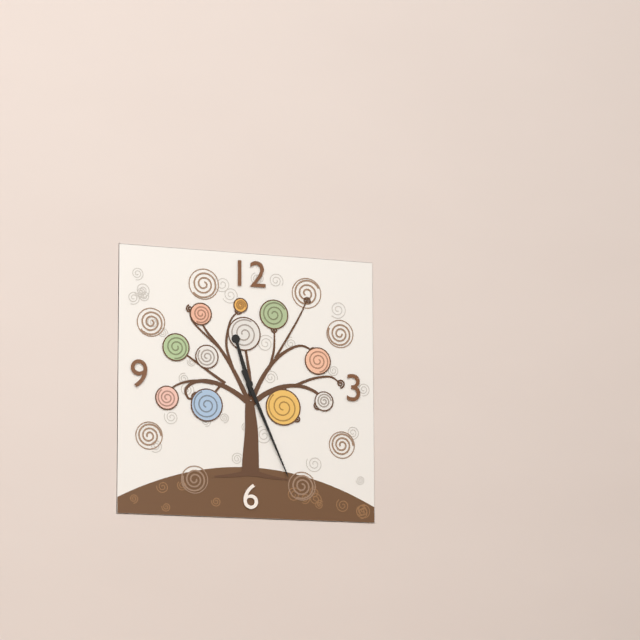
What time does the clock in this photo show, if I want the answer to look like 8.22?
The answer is 11.26
